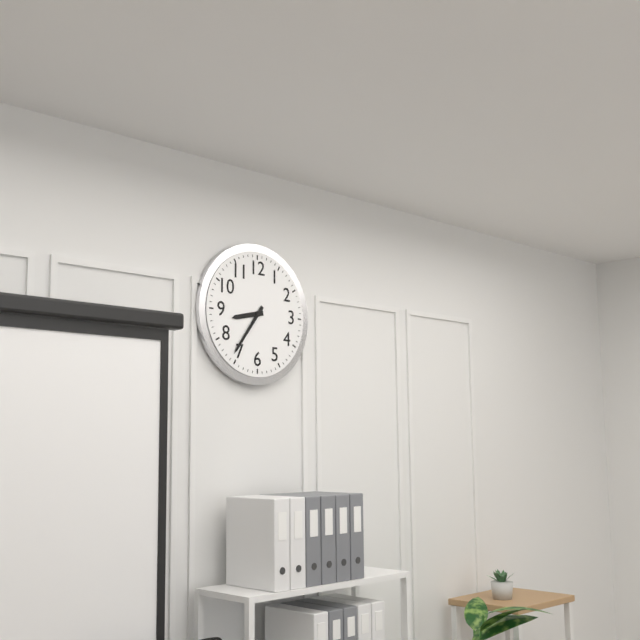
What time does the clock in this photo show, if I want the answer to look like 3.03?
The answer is 8.36
